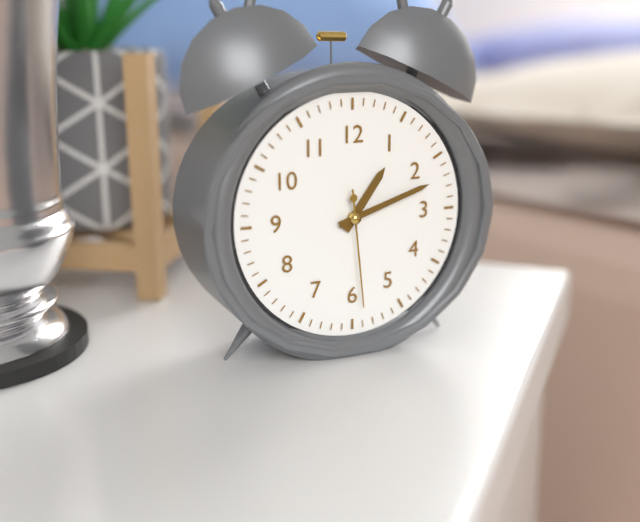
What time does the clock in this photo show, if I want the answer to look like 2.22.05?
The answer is 1.12.29
